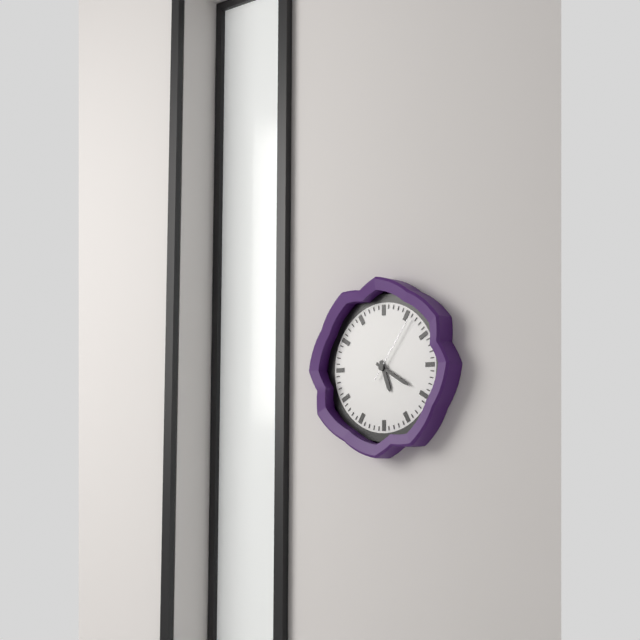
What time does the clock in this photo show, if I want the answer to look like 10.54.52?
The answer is 5.20.06
